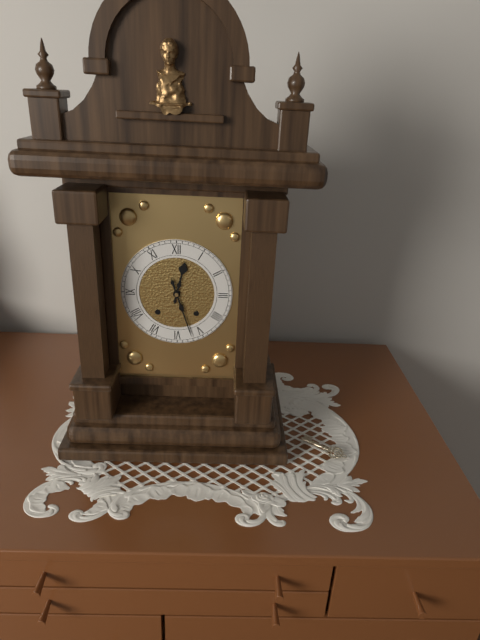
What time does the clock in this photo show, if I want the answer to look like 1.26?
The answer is 12.27
